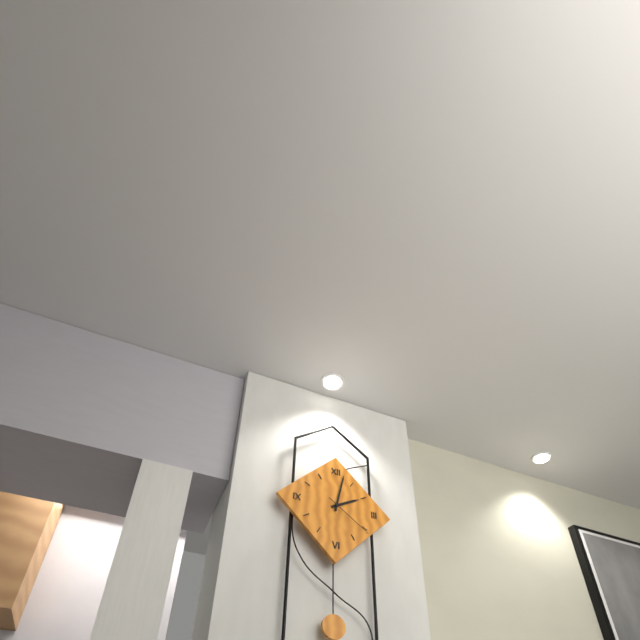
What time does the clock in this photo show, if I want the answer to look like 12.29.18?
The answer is 2.02.21
